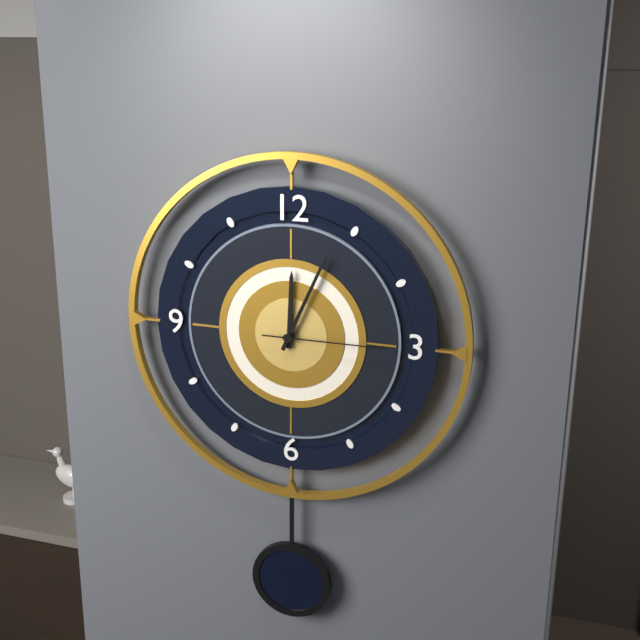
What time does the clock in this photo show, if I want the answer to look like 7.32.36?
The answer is 12.04.15
